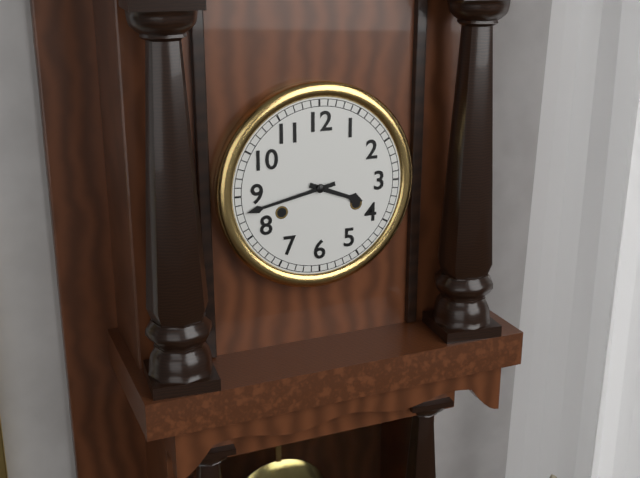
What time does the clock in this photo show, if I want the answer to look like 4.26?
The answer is 3.43
